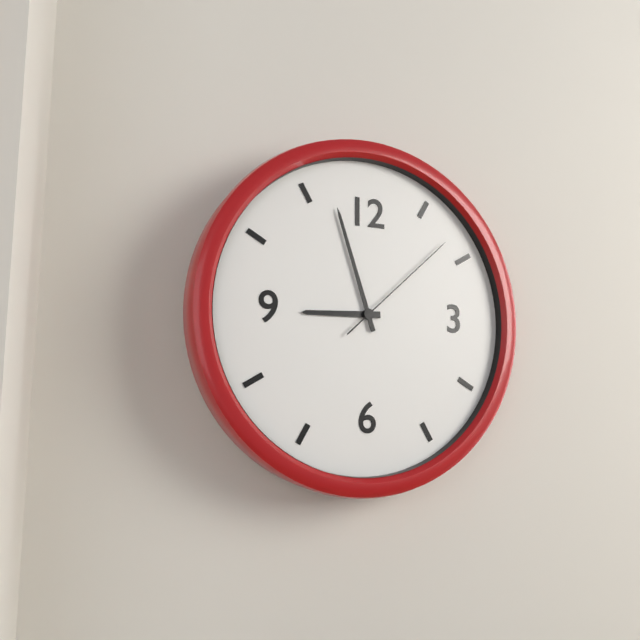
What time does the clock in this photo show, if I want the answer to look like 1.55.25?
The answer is 8.57.08
